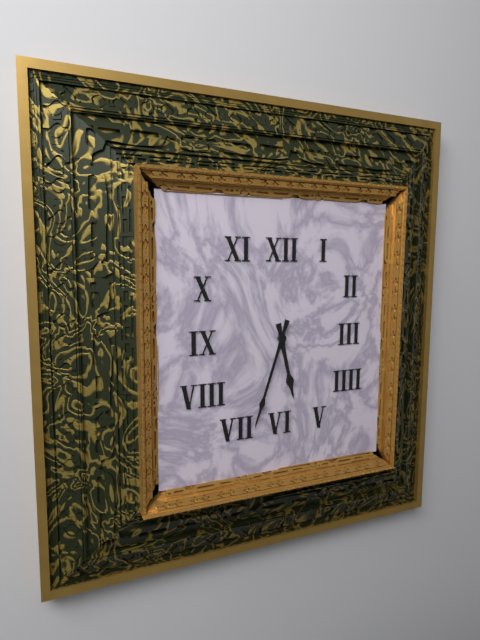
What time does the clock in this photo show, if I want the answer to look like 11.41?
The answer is 5.33
